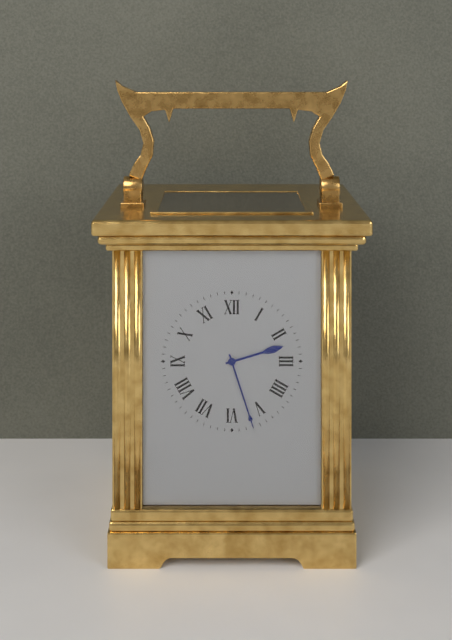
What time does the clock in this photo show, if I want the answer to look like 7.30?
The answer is 2.27
